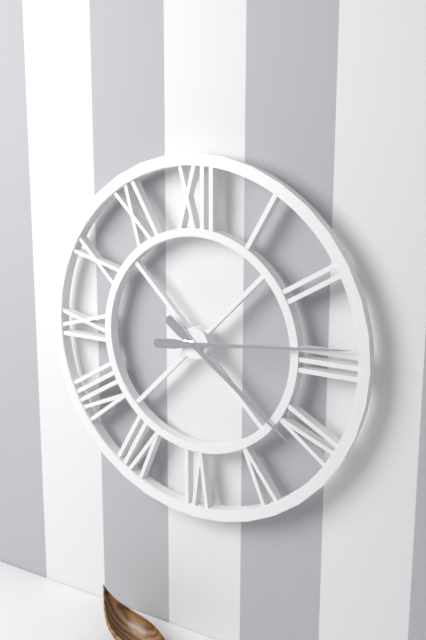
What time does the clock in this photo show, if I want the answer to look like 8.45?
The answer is 4.14
